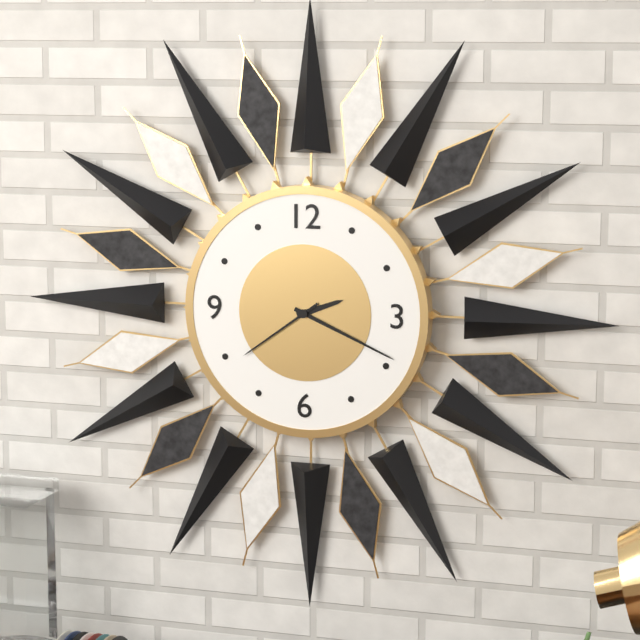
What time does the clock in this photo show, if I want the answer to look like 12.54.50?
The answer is 2.19.39
